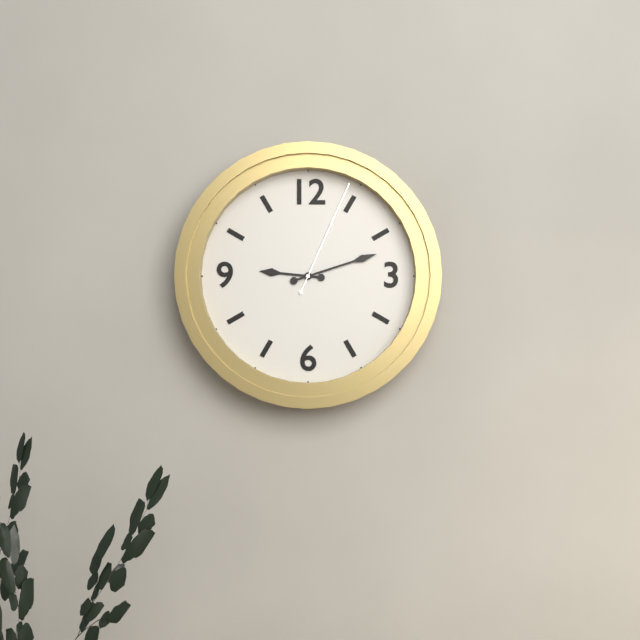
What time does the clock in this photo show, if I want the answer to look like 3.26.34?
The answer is 9.12.04
